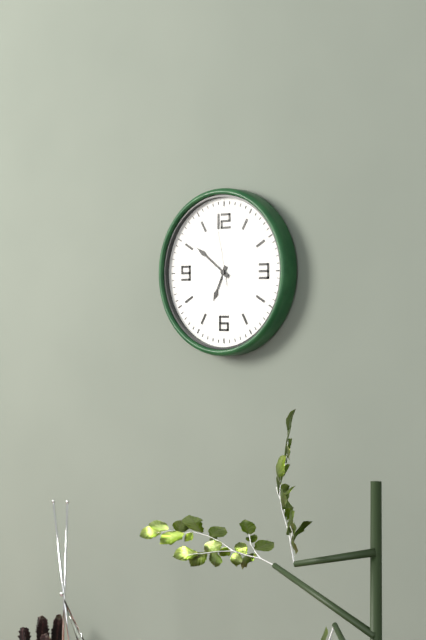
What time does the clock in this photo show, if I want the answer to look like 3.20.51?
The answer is 6.51.58
